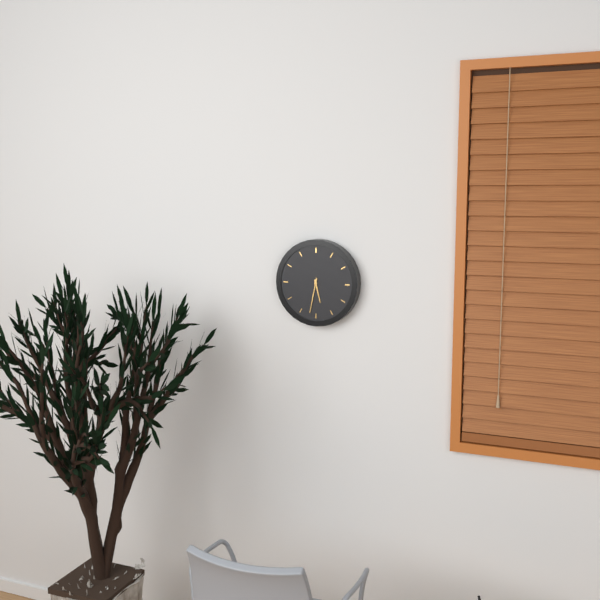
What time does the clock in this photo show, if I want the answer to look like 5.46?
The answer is 5.32
